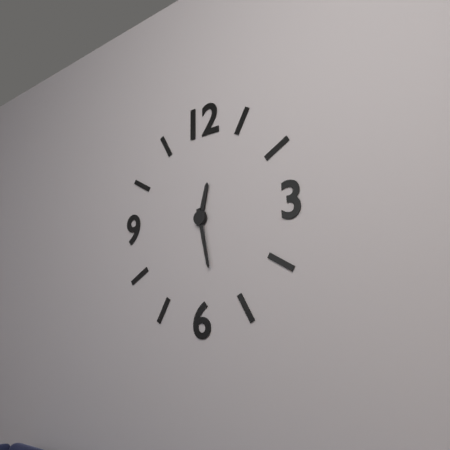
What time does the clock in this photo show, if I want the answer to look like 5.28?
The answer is 12.28
